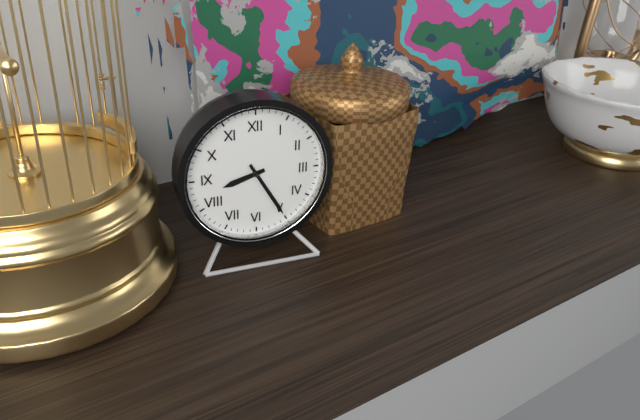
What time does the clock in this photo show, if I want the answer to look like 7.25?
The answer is 8.25
